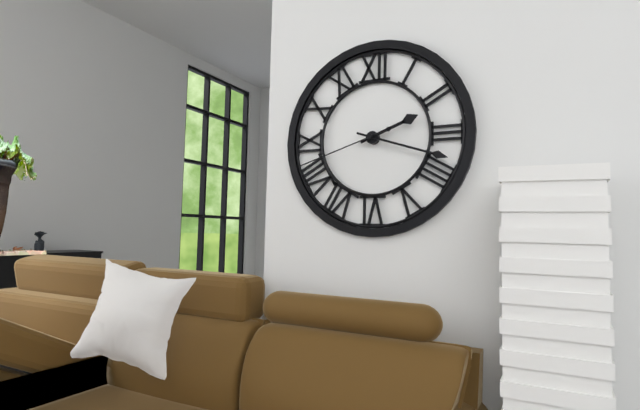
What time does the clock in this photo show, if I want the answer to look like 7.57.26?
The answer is 2.18.42
